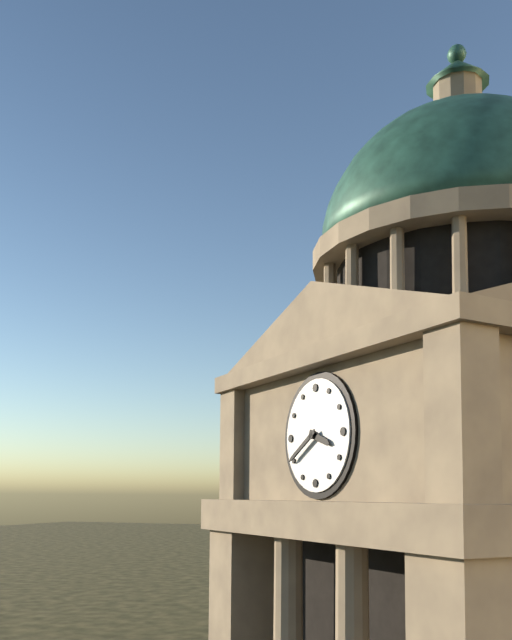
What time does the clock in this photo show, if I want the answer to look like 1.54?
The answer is 3.40
